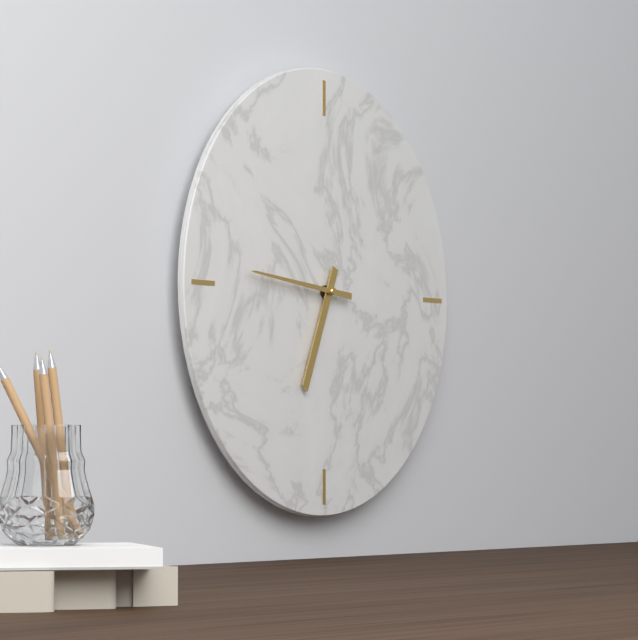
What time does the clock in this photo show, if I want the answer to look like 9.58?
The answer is 6.46
